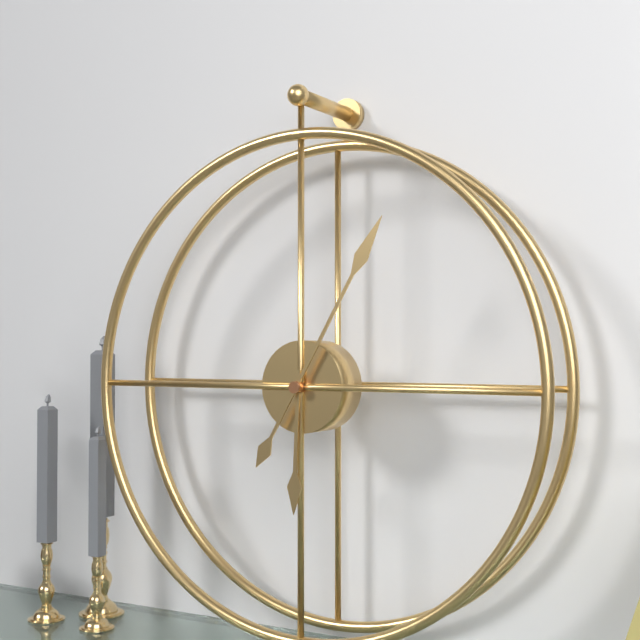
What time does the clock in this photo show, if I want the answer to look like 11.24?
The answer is 6.05
